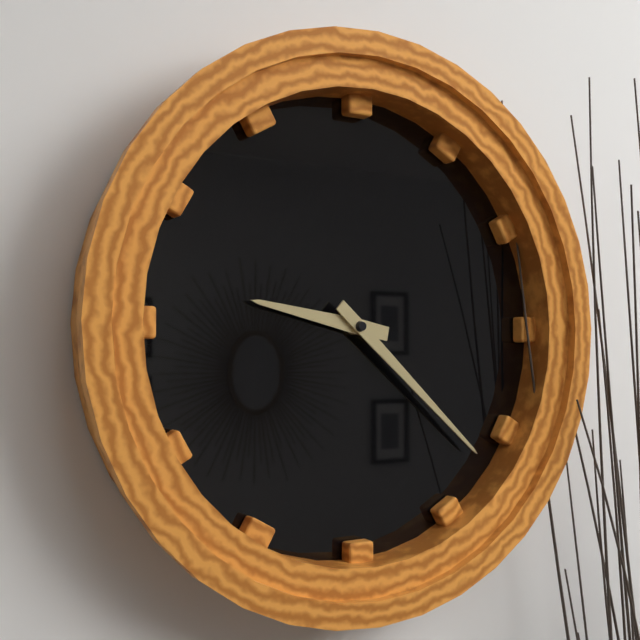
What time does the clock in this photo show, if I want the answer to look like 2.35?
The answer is 9.22
